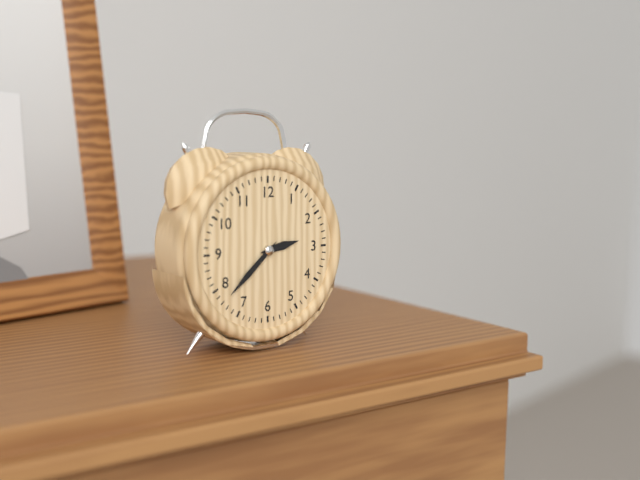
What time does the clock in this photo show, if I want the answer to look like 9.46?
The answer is 2.38
